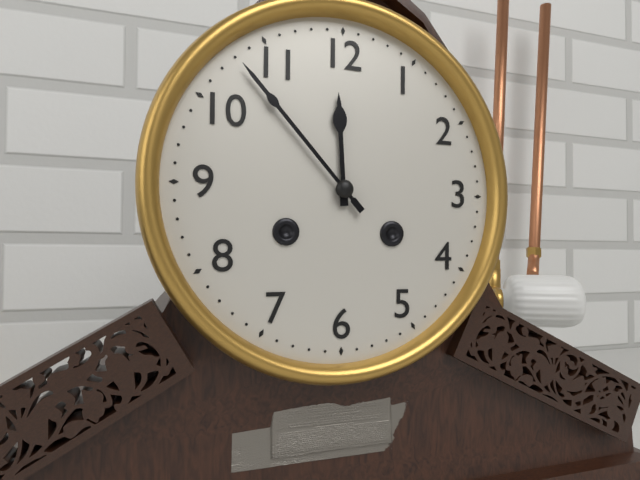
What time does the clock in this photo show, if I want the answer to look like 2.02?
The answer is 11.53
